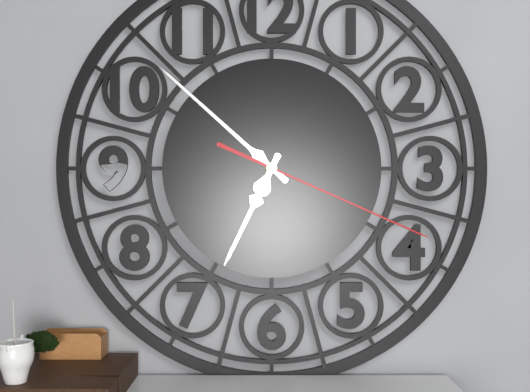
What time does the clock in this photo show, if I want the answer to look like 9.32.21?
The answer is 6.52.19
